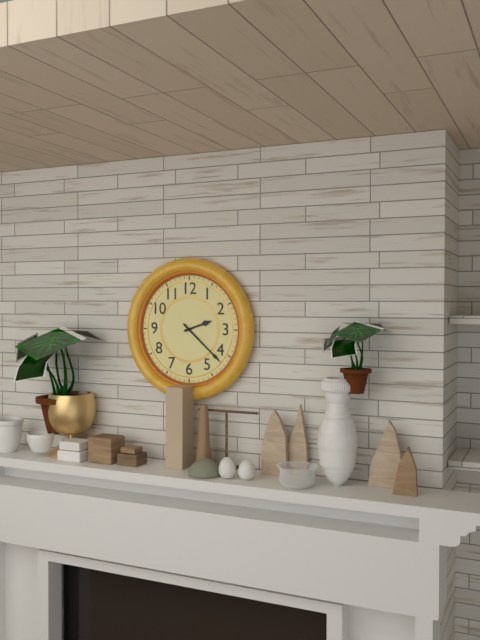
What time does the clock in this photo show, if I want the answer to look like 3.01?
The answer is 2.22
